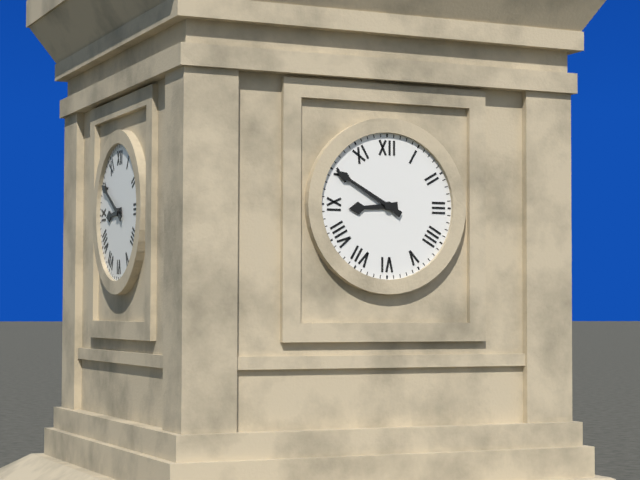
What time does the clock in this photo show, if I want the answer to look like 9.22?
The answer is 8.50
